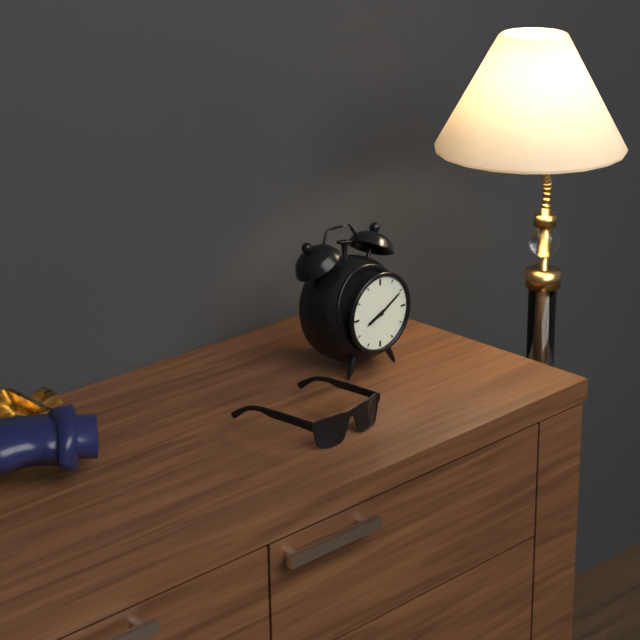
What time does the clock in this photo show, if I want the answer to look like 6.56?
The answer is 8.10
